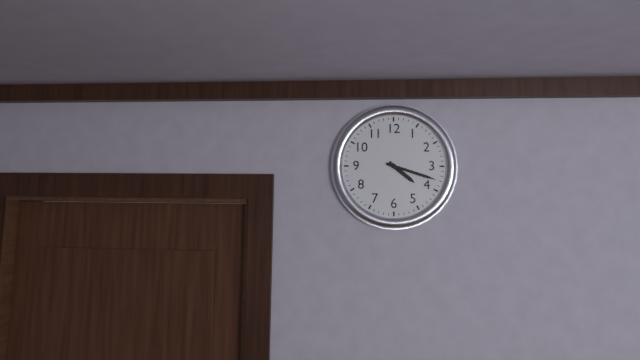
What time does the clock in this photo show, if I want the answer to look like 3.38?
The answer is 4.18
